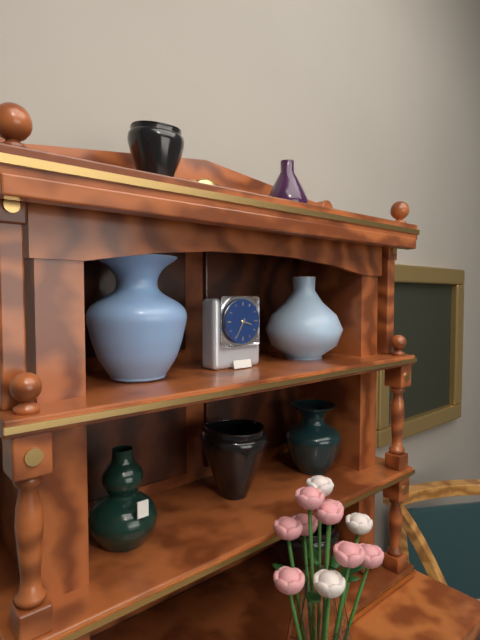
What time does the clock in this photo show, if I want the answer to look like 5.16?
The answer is 3.35
